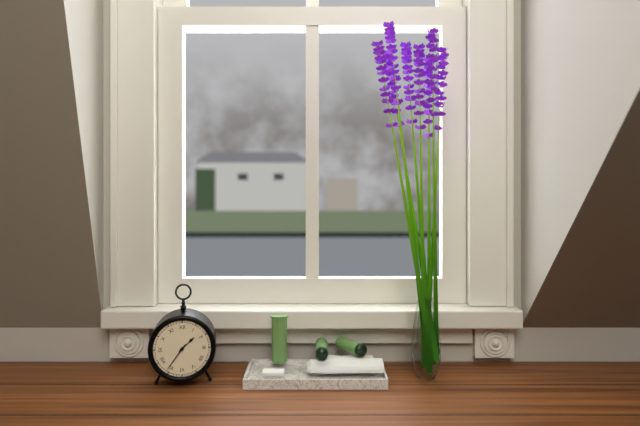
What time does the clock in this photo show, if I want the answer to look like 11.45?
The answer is 1.36
